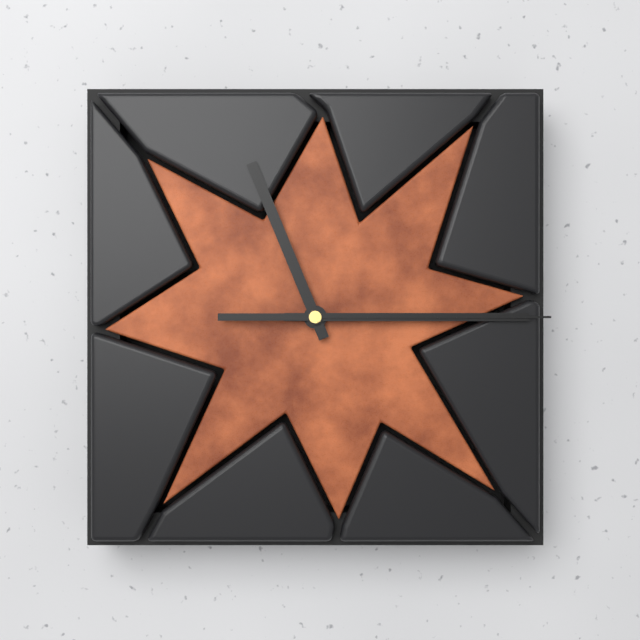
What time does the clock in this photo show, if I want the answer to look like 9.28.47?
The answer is 11.15.15
